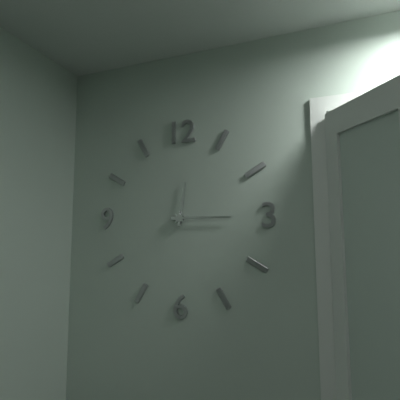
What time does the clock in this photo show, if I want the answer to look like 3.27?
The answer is 12.15
